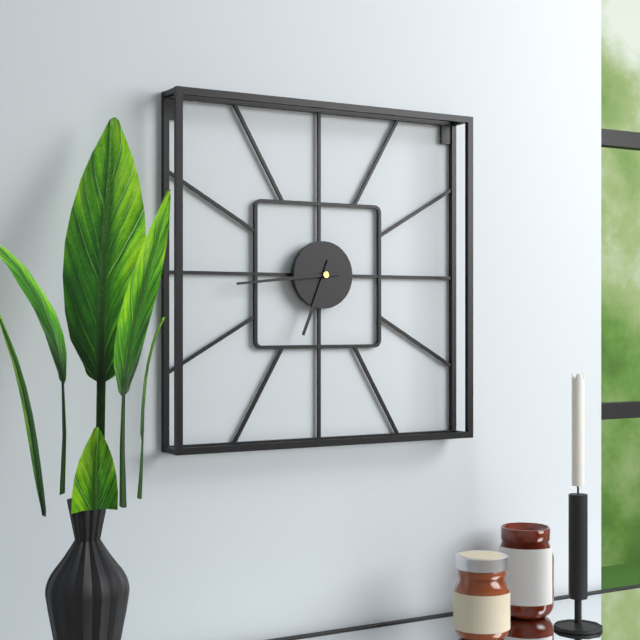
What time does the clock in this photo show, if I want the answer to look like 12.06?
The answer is 6.44
